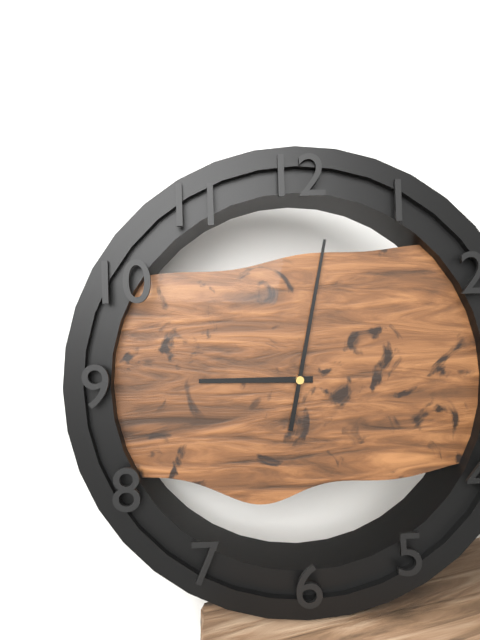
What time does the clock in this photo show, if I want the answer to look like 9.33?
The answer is 9.02
